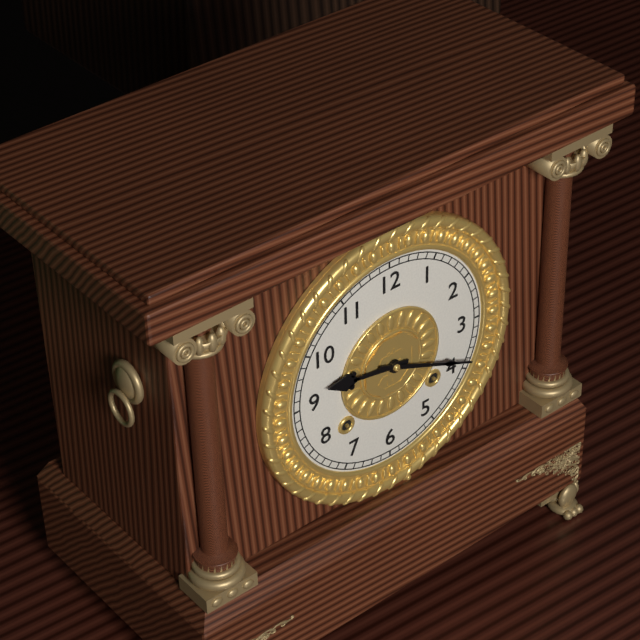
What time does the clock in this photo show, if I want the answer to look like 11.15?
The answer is 9.19
